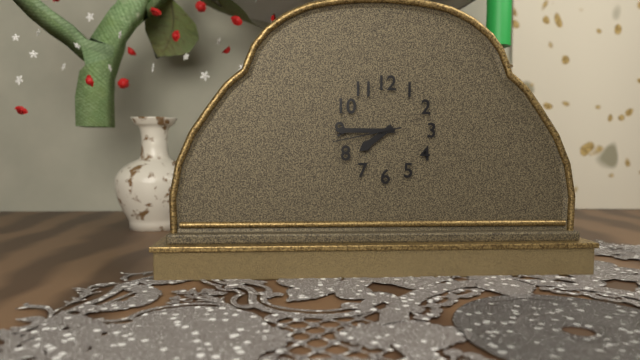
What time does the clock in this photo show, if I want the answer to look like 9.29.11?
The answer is 7.45.43
